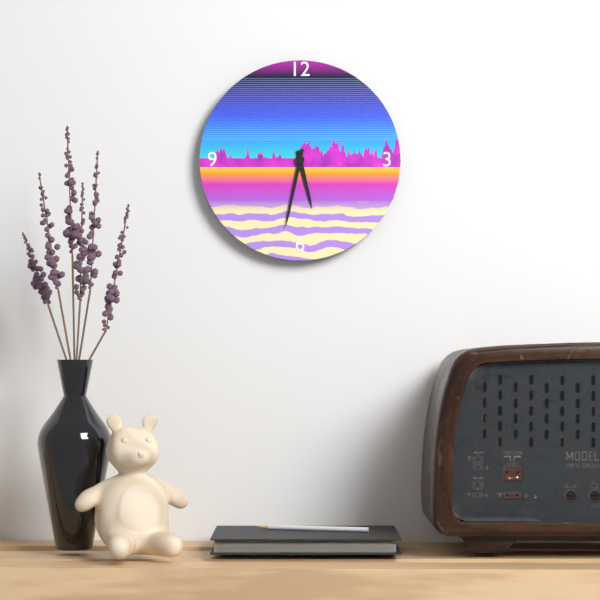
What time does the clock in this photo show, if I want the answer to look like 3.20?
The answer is 5.32
